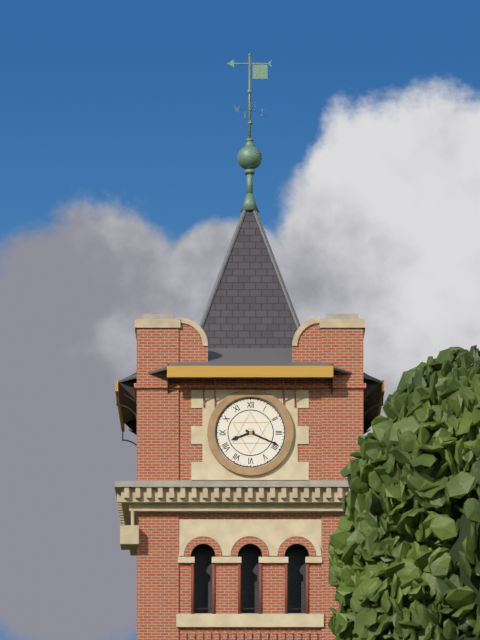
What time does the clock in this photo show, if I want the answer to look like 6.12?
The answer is 8.19
